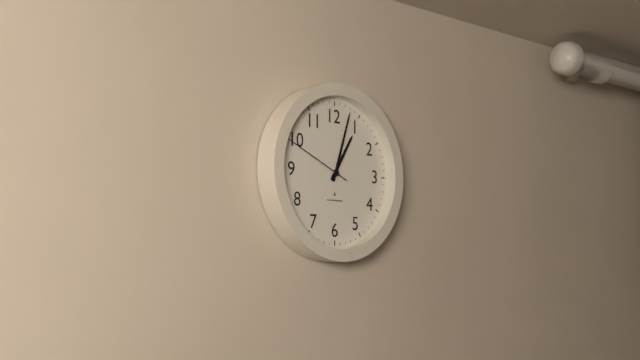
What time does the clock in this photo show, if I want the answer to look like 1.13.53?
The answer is 1.03.49
